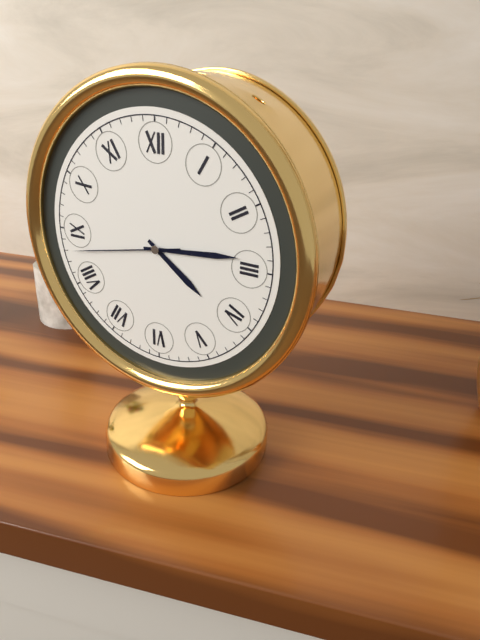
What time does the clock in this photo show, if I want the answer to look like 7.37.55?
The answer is 4.14.43
